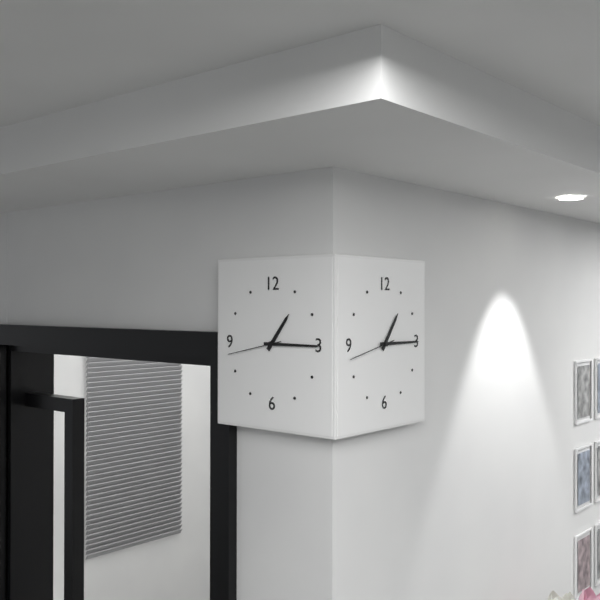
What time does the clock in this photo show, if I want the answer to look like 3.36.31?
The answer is 1.15.43
